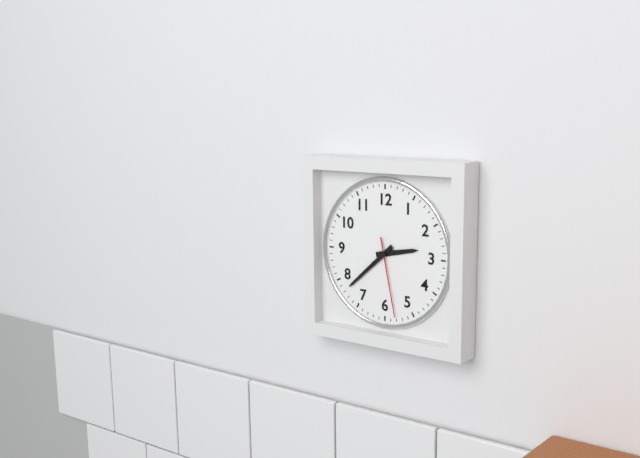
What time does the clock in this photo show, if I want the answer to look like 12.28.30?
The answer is 2.38.28
